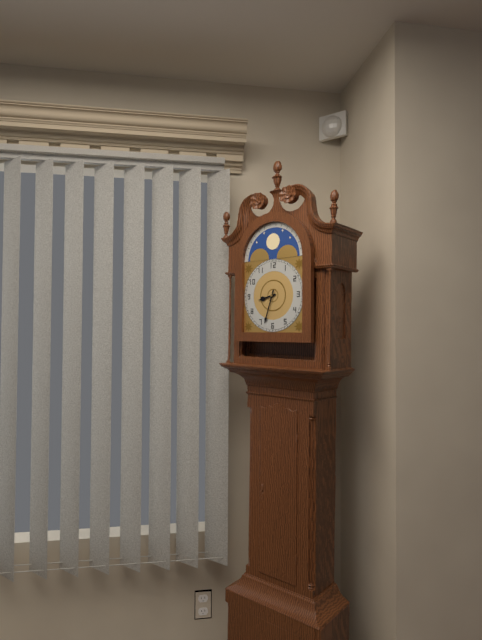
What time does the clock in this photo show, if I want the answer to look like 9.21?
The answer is 8.33
